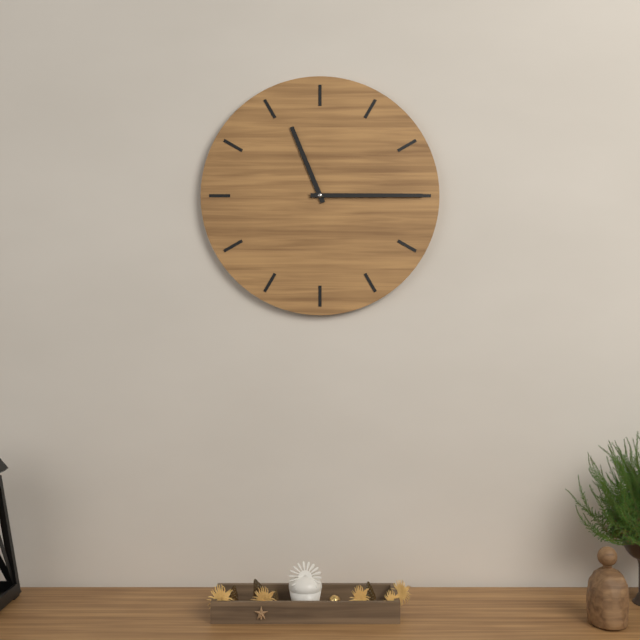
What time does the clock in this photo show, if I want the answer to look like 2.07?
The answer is 11.15
